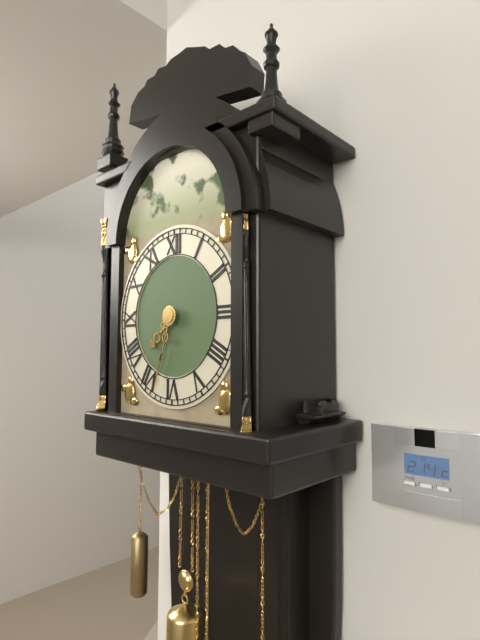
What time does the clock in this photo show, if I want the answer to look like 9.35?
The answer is 7.33
